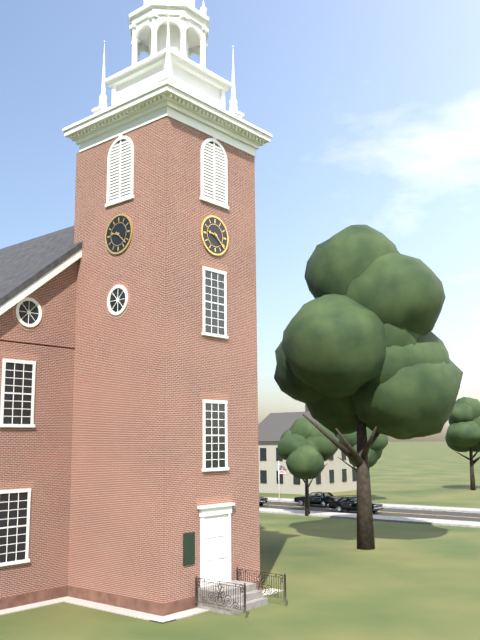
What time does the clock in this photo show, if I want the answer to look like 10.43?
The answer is 9.22
